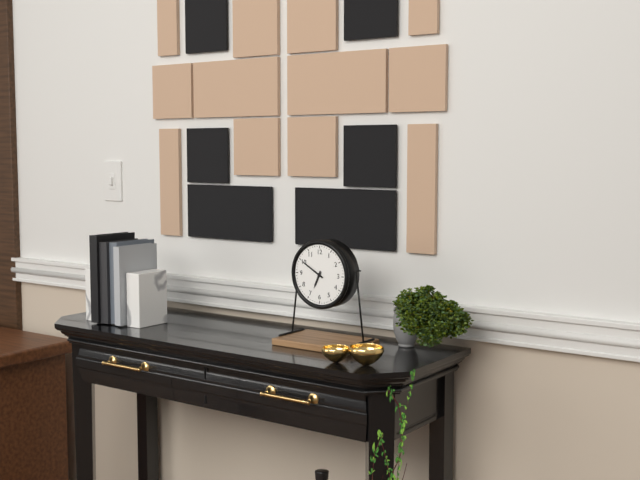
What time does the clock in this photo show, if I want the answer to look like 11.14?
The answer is 6.50
